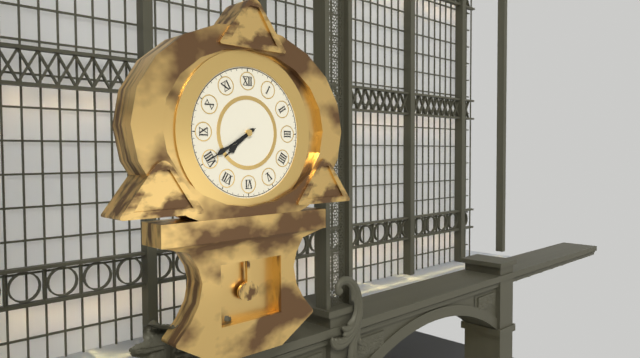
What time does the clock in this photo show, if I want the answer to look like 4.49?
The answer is 7.40
